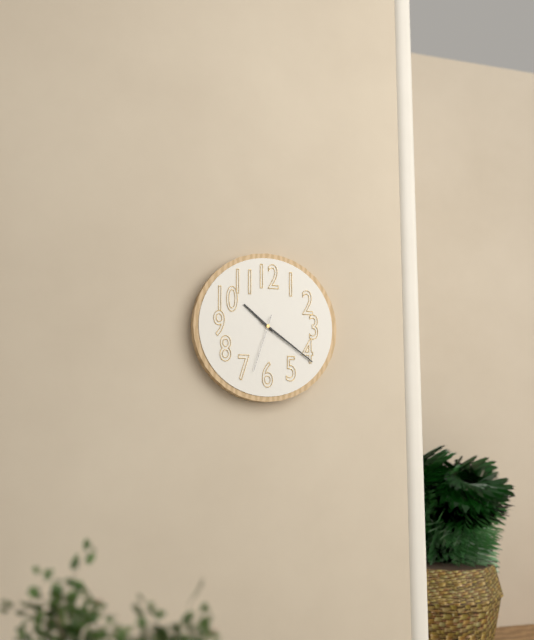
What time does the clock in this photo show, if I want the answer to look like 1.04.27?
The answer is 10.21.33
